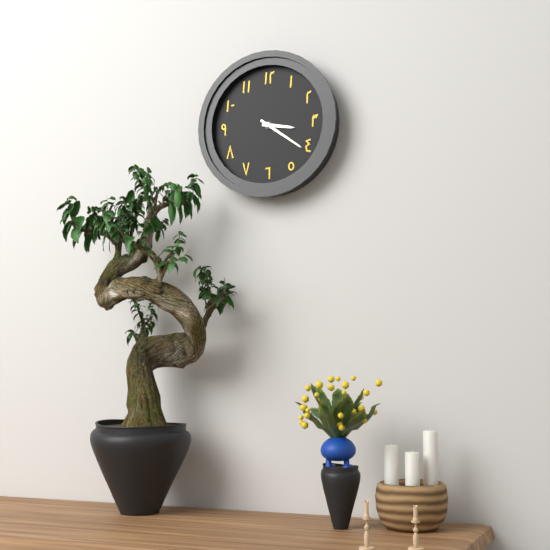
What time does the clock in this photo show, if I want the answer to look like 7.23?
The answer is 3.21
